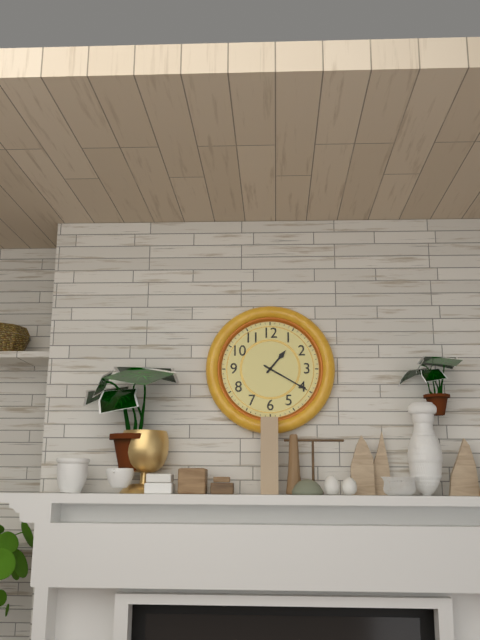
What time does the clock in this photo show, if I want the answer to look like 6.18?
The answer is 1.20
